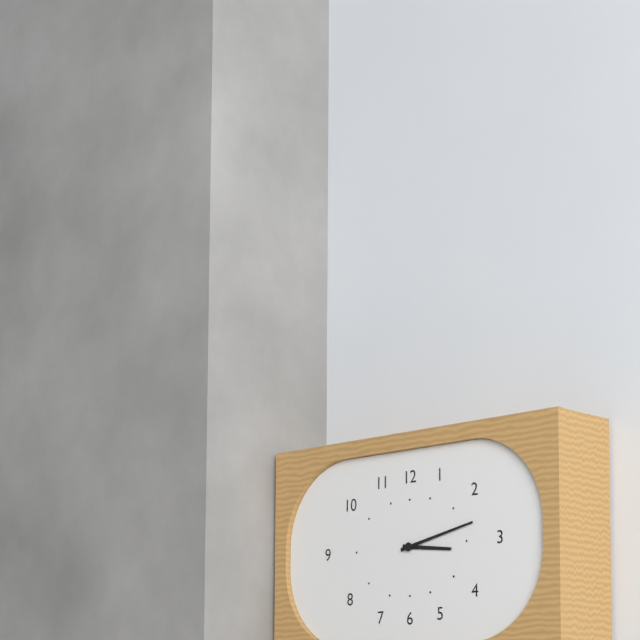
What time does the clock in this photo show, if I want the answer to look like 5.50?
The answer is 3.13
